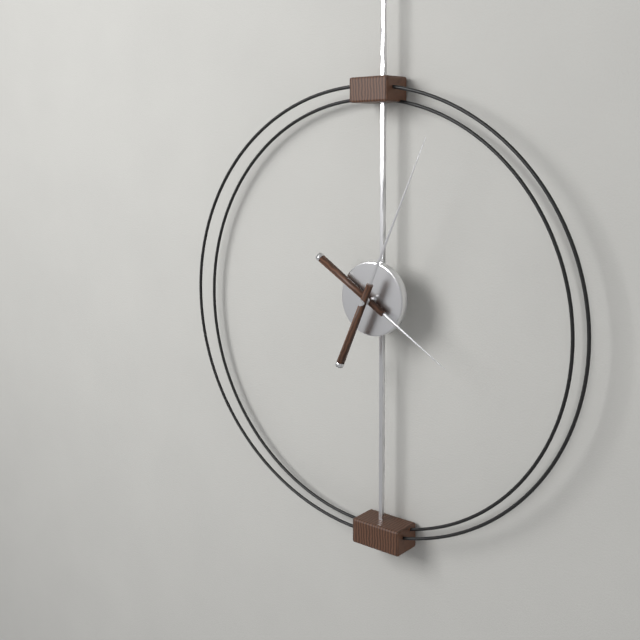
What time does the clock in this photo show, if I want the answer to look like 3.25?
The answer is 4.04
